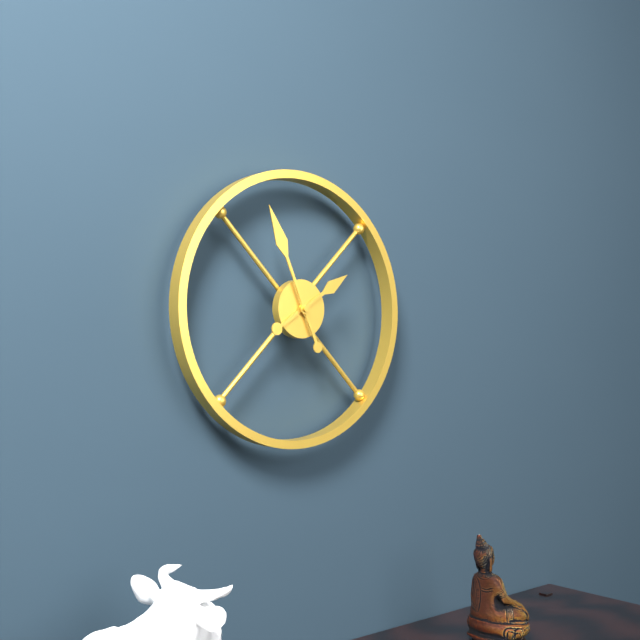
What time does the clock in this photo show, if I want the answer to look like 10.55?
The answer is 1.56
